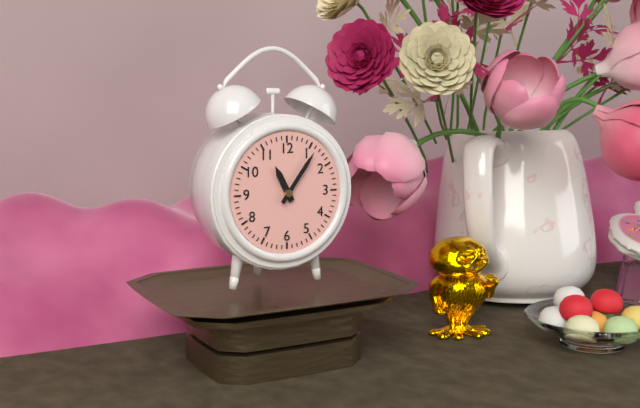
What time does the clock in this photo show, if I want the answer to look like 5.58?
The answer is 11.06
